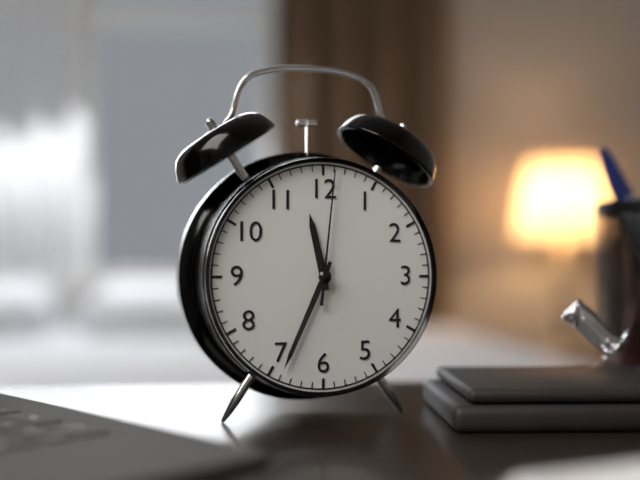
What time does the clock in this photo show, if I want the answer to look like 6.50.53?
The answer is 11.34.01
